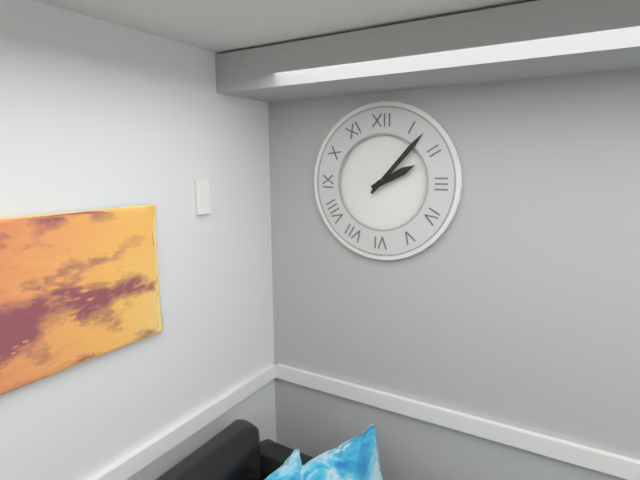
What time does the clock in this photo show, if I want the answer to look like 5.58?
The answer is 2.07
